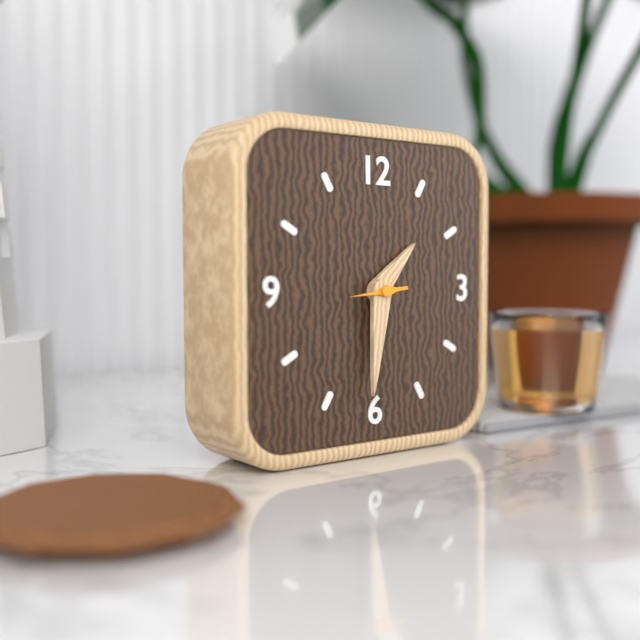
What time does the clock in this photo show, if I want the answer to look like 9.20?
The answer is 1.31
